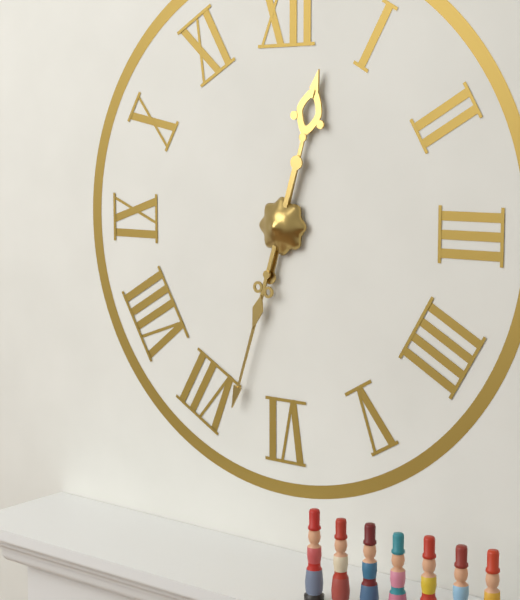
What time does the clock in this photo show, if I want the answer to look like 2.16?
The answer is 12.33
